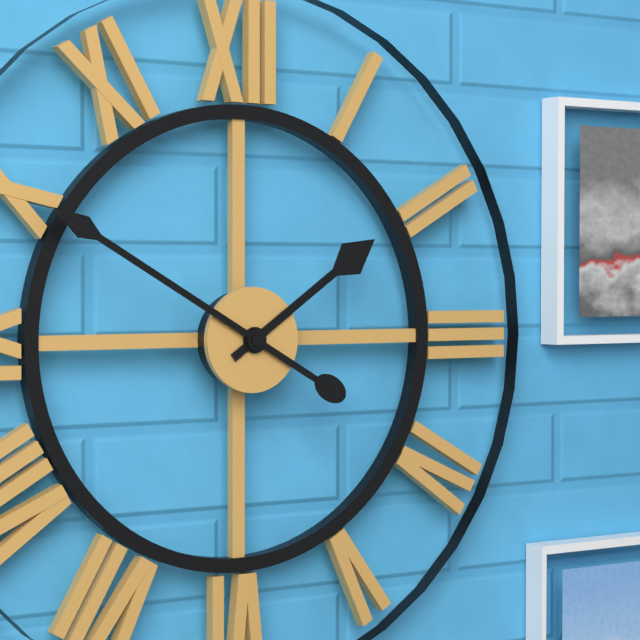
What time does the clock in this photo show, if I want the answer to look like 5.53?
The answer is 1.50
